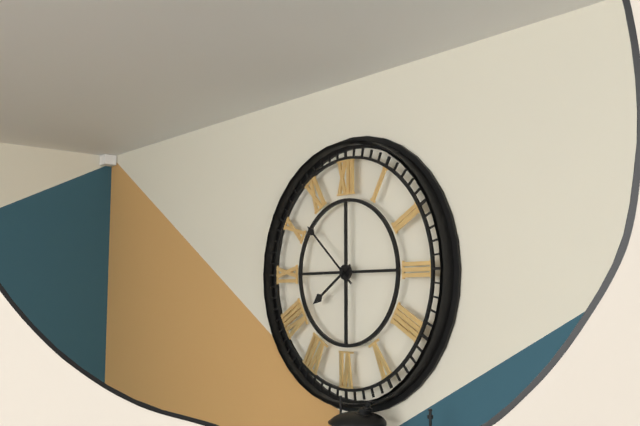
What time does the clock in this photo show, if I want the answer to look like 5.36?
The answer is 7.52
